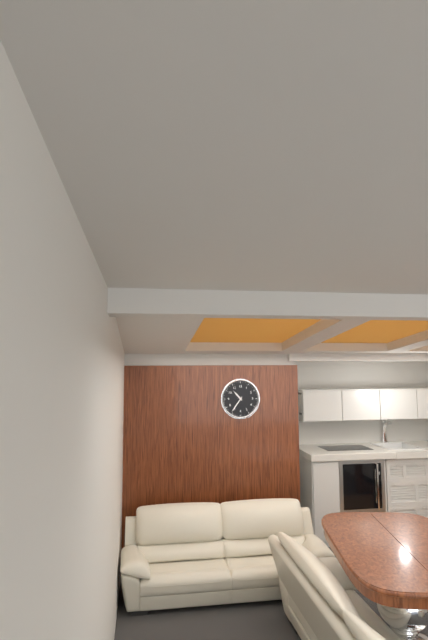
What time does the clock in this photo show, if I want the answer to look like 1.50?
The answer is 10.36
